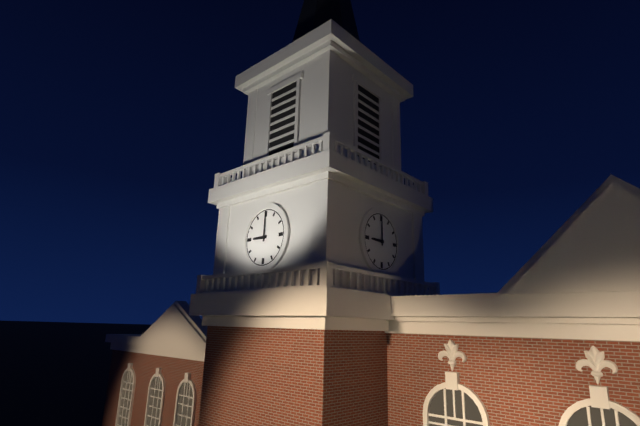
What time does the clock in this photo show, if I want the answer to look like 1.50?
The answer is 9.00
